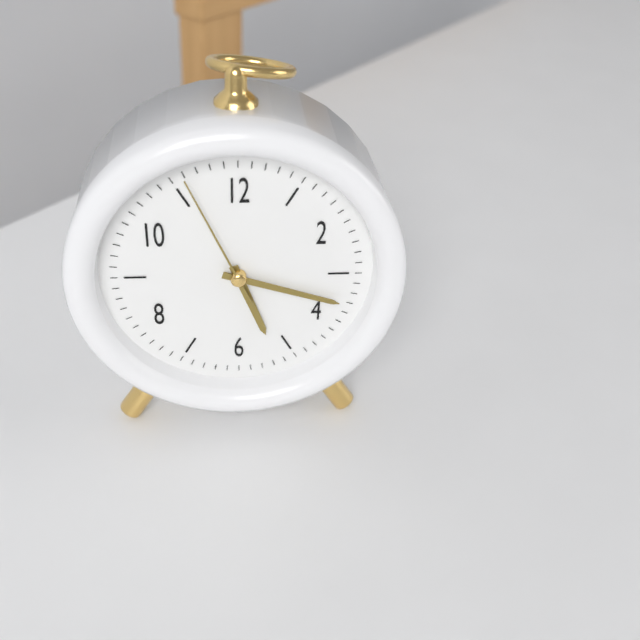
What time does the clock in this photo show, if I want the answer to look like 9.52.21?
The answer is 5.18.56
